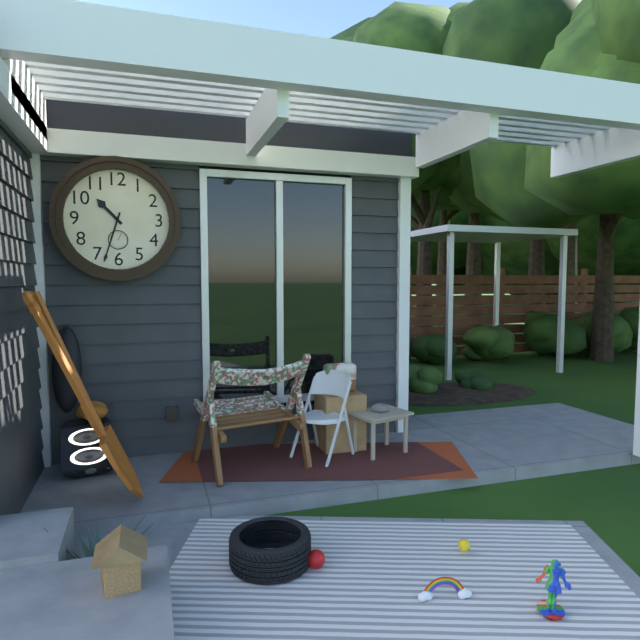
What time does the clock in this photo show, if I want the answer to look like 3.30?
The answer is 10.33
